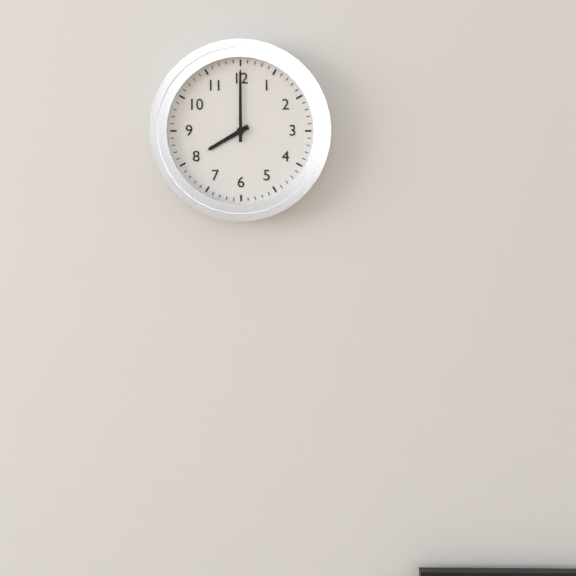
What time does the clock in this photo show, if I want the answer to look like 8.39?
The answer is 8.00
